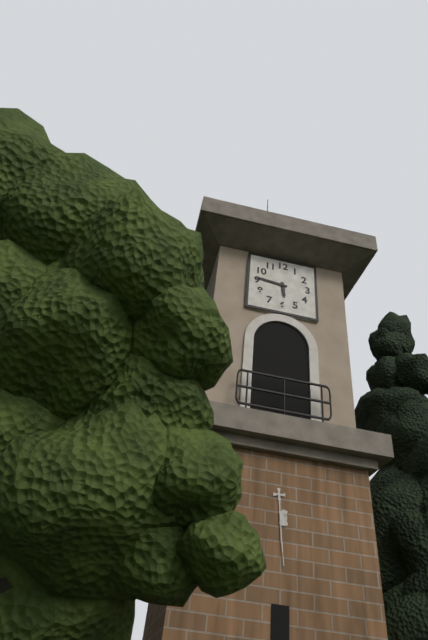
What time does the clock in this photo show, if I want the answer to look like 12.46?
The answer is 5.46
